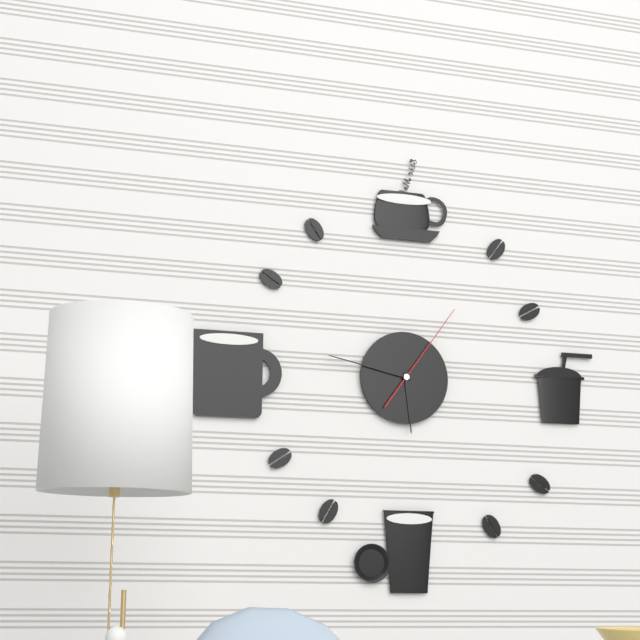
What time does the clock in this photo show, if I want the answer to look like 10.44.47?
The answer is 5.47.06
